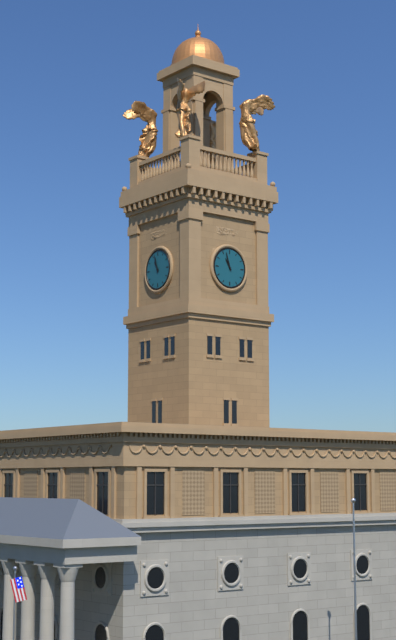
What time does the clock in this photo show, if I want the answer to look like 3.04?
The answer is 10.57
